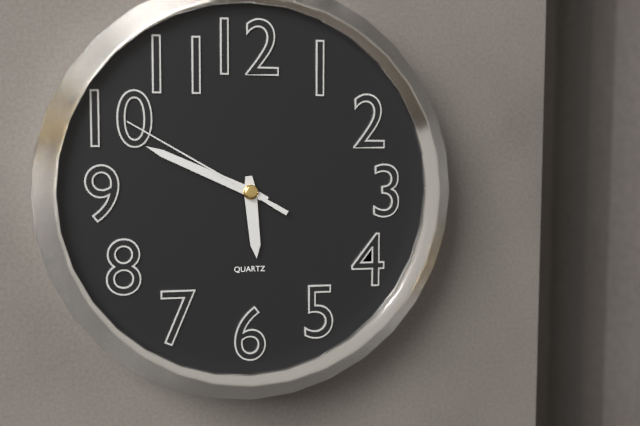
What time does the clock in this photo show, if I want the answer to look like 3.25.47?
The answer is 5.49.50
